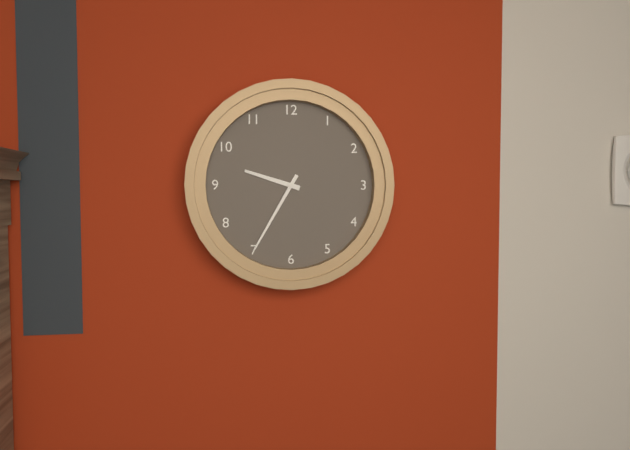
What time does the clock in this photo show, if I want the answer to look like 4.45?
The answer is 9.35
